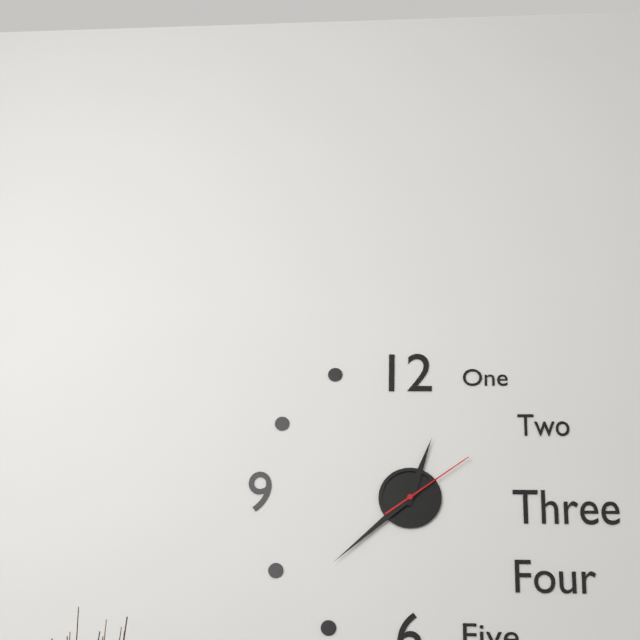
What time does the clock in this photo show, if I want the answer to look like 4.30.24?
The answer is 12.38.09
